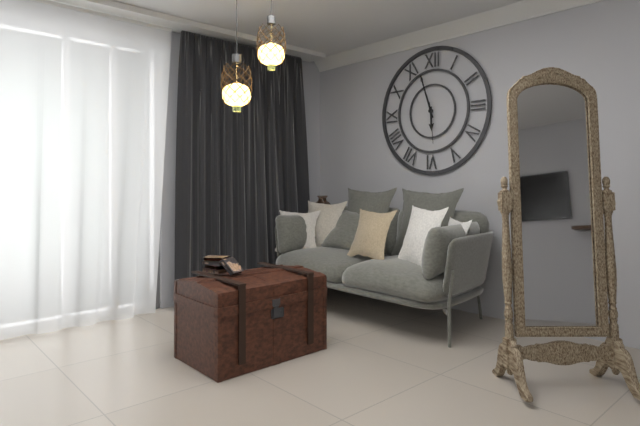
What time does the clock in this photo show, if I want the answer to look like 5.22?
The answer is 5.57
